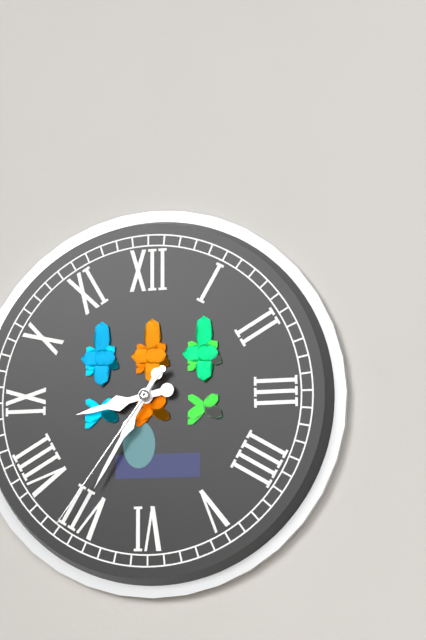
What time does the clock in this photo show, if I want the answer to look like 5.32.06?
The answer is 8.35.36
